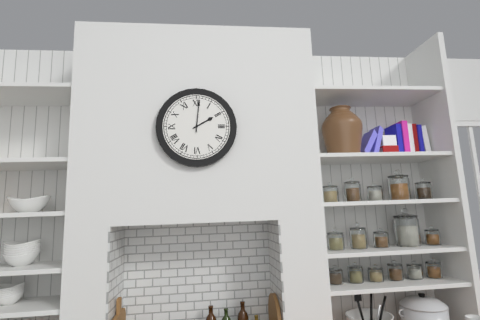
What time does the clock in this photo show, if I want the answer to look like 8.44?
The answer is 2.01
